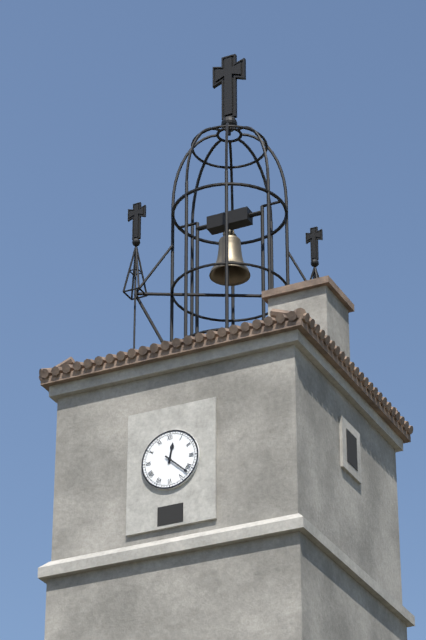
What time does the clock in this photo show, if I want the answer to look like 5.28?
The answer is 12.22
